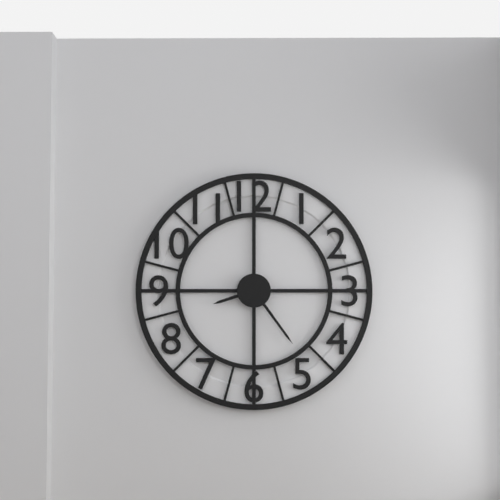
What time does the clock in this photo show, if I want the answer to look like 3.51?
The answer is 8.24
